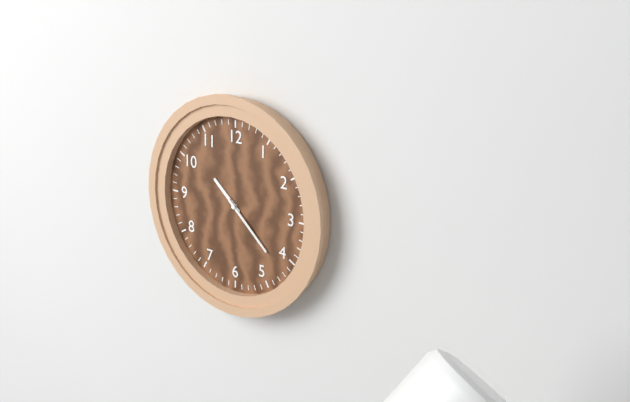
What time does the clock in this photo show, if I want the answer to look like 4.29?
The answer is 10.22
